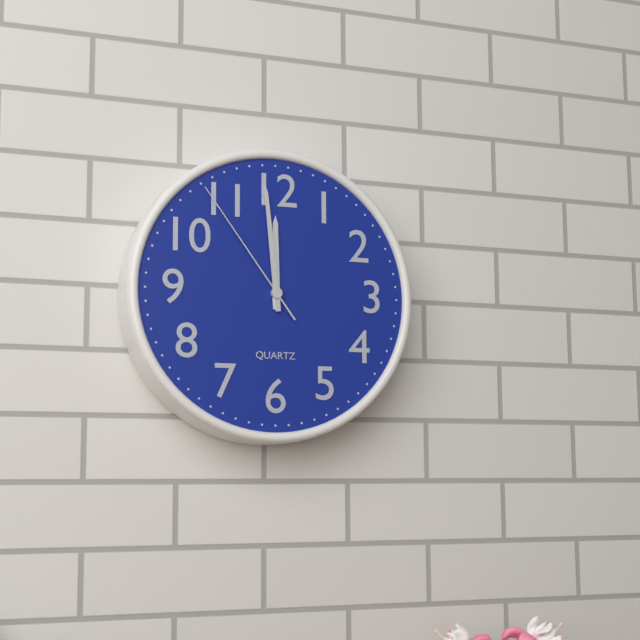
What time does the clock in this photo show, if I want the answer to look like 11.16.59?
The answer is 11.59.54
